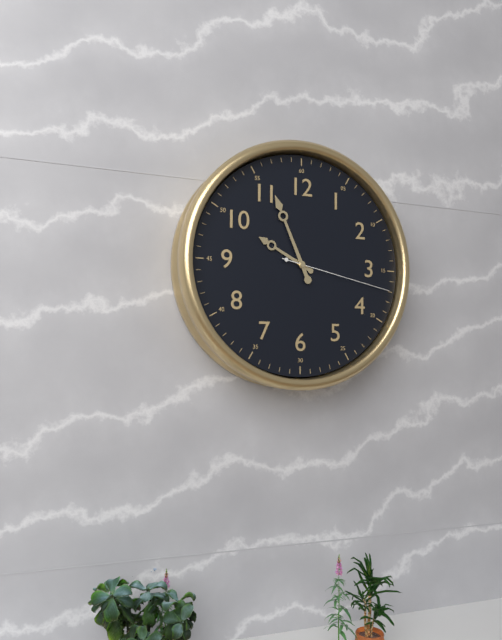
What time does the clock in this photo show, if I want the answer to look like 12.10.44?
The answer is 9.56.17
